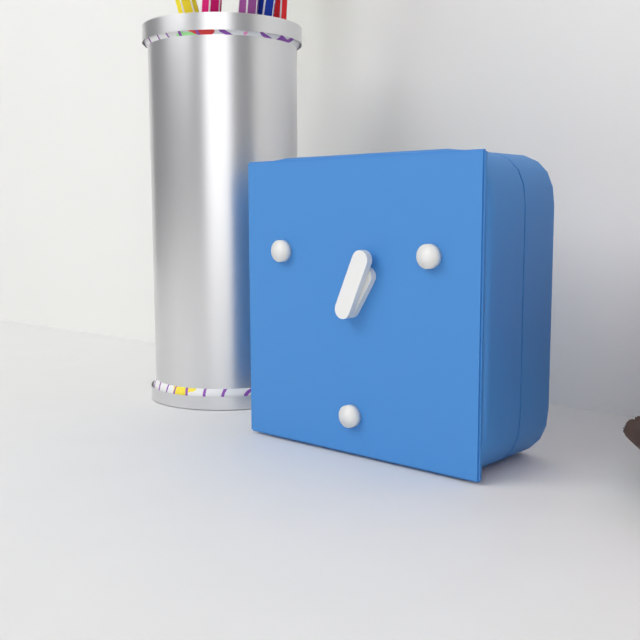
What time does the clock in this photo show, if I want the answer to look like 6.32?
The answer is 1.04
